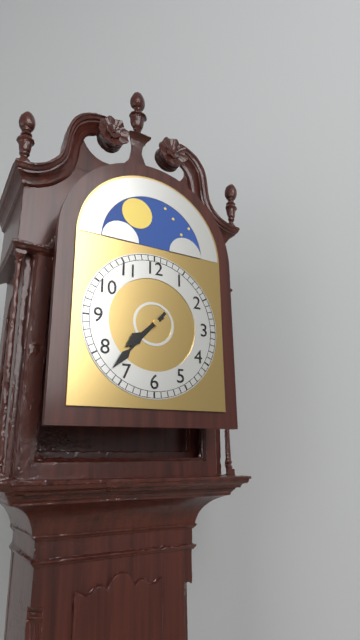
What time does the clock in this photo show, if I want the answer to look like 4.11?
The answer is 7.37
